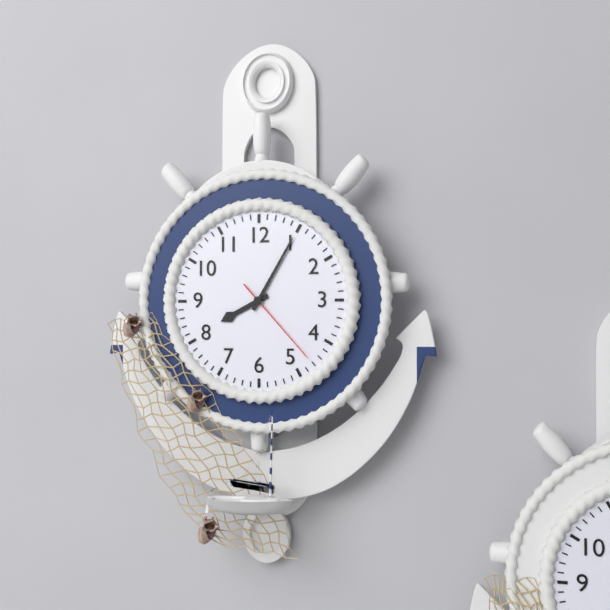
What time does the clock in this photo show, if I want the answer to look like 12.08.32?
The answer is 8.05.23
